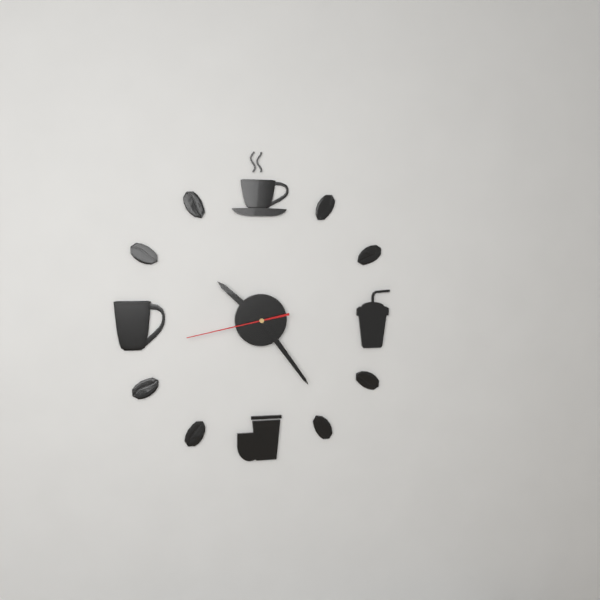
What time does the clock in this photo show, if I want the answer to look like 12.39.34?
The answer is 10.24.43
